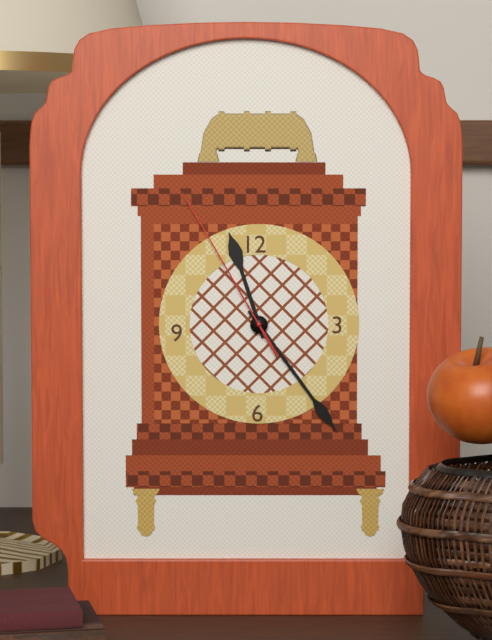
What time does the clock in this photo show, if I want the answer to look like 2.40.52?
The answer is 11.24.55
